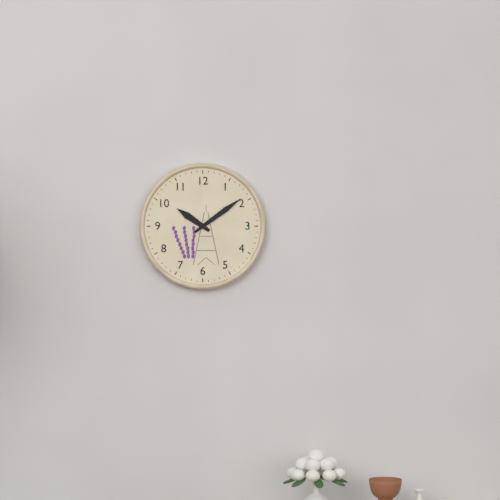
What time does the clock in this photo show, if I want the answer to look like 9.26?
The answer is 10.09
